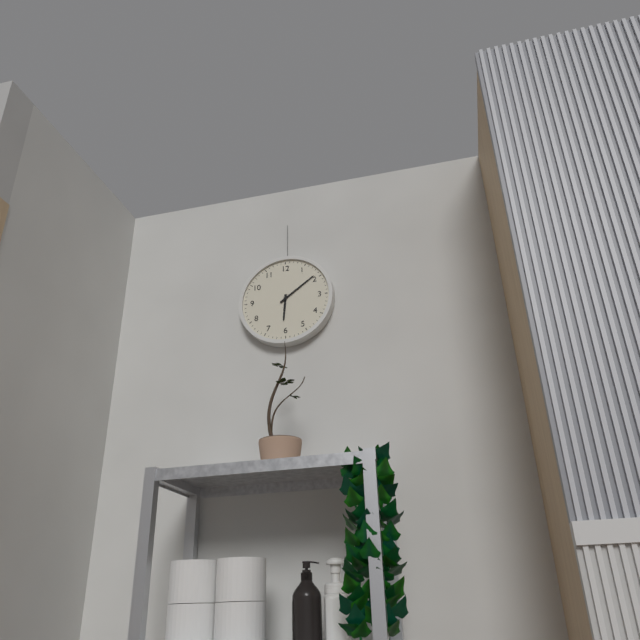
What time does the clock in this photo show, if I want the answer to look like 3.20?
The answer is 6.09
